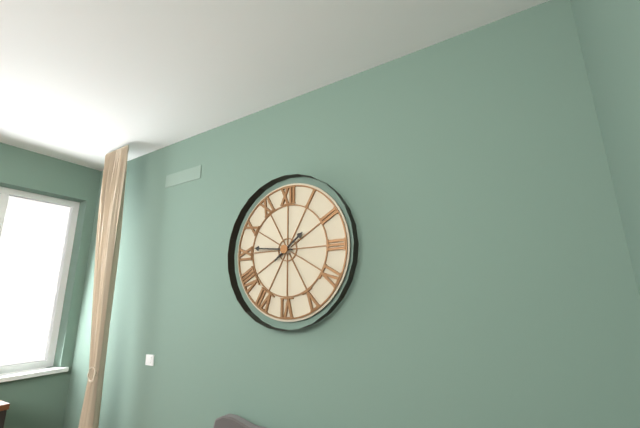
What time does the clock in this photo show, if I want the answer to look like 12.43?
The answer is 1.46
